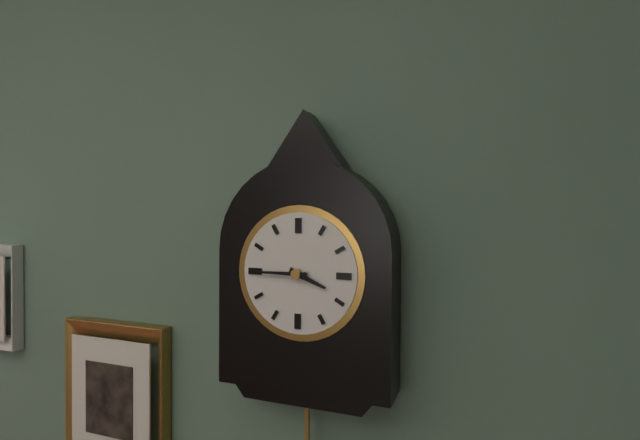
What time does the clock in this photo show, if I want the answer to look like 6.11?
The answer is 3.45
